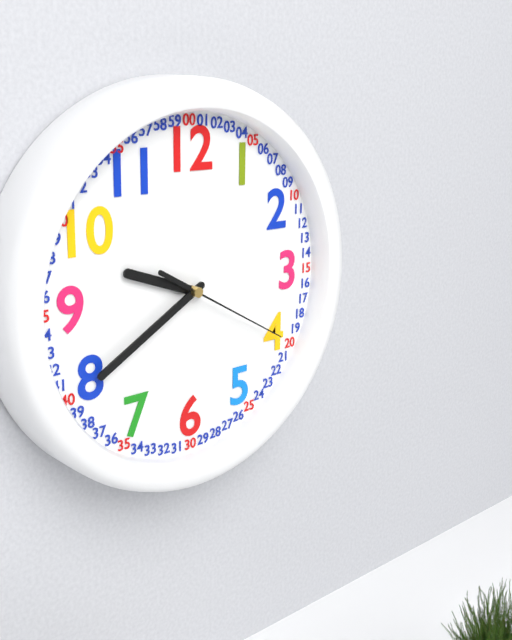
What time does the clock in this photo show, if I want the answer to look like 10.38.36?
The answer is 9.40.20
